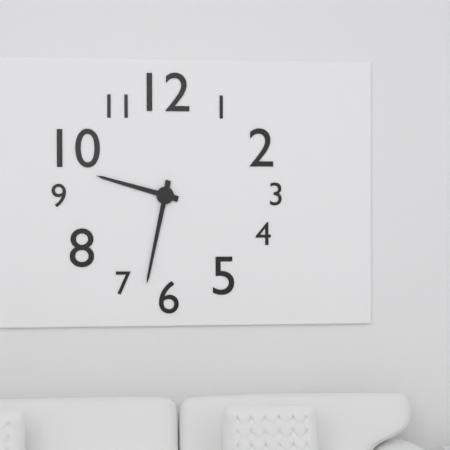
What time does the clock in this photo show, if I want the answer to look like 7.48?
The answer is 9.32
